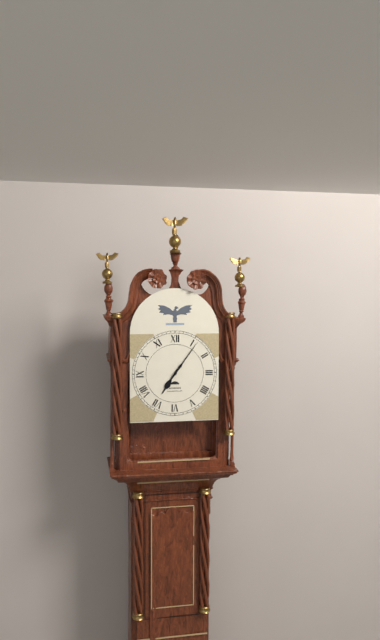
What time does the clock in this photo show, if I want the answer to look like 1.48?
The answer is 7.06
